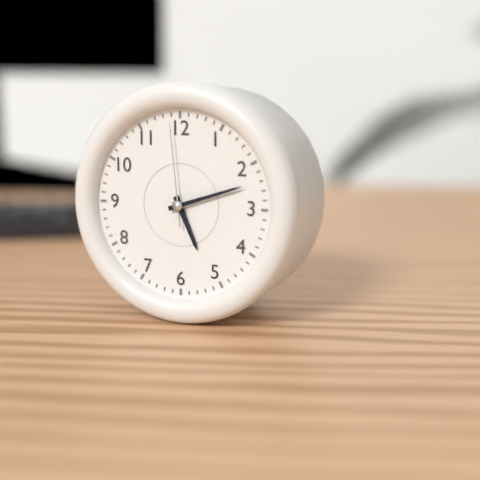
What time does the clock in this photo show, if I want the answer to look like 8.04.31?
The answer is 5.12.59
